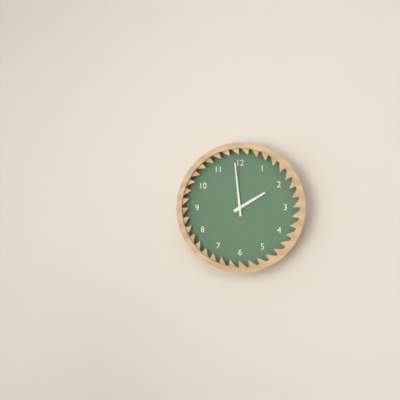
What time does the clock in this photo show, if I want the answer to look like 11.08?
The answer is 1.59
